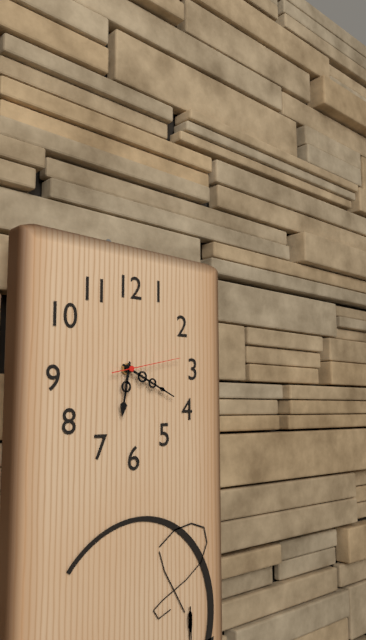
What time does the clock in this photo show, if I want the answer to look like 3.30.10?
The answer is 6.19.13
